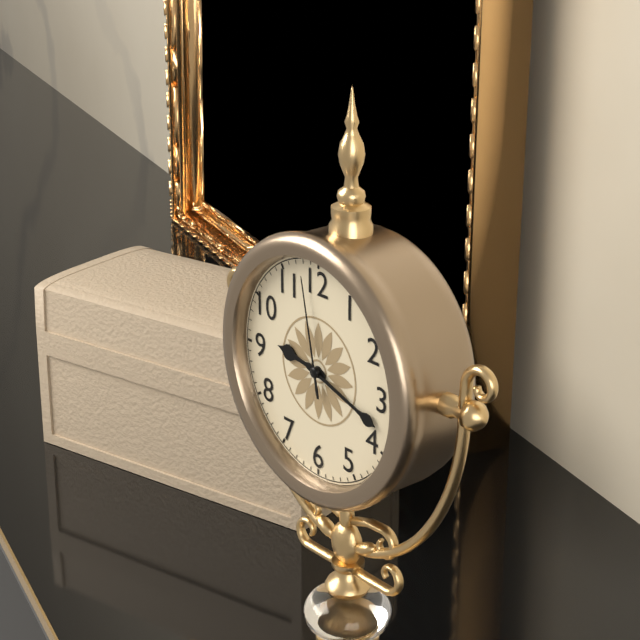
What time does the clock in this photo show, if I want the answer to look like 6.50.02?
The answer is 9.18.58
